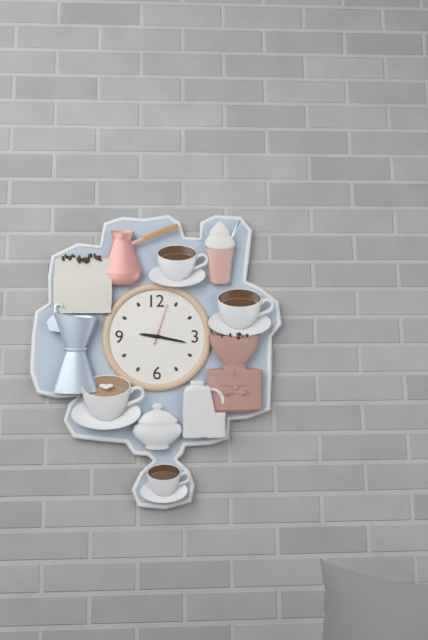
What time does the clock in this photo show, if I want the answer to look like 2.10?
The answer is 9.17
